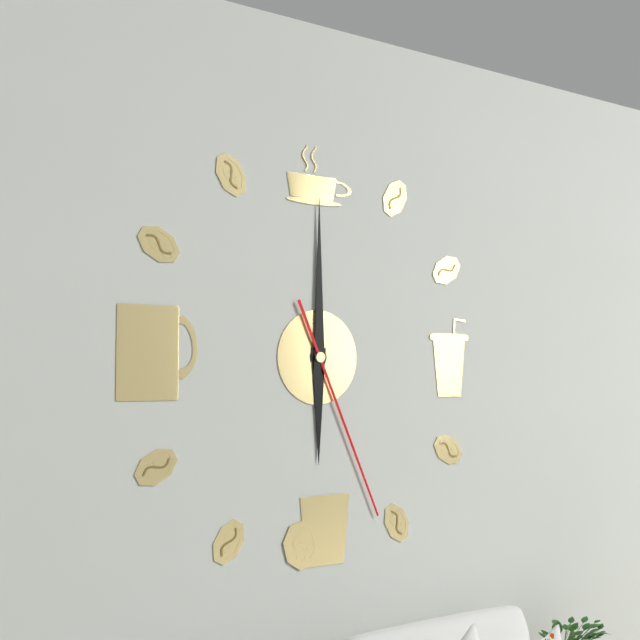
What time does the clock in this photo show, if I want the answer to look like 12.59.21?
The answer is 6.00.26
